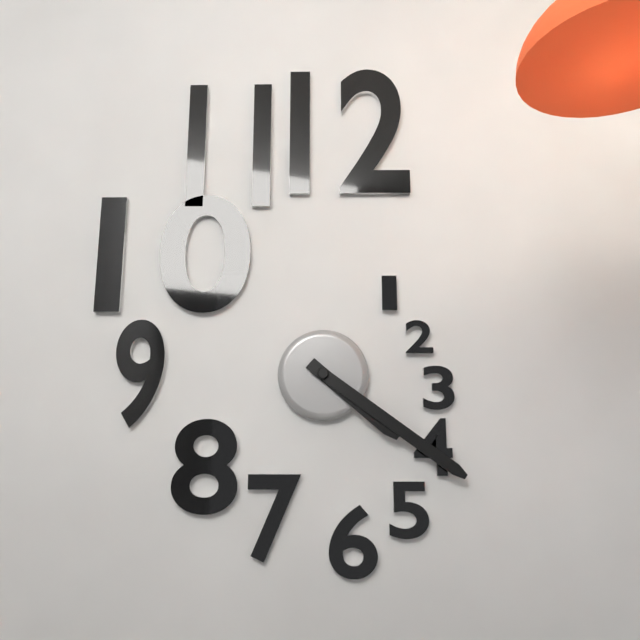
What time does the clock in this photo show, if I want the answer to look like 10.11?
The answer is 4.21
